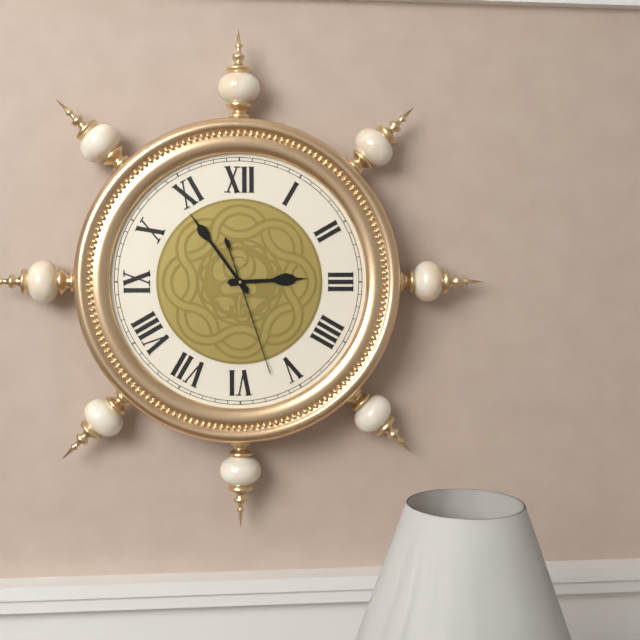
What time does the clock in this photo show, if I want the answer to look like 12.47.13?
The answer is 2.54.27
